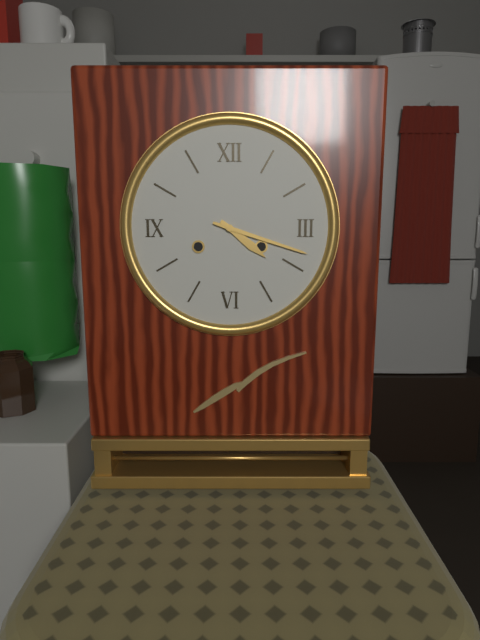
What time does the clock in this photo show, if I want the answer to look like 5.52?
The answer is 4.18
